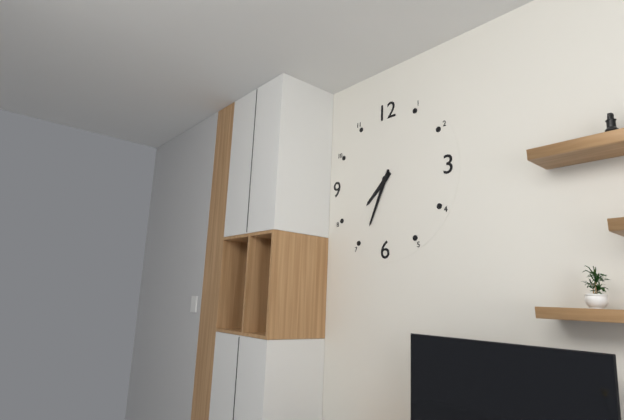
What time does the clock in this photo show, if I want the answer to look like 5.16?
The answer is 7.34
